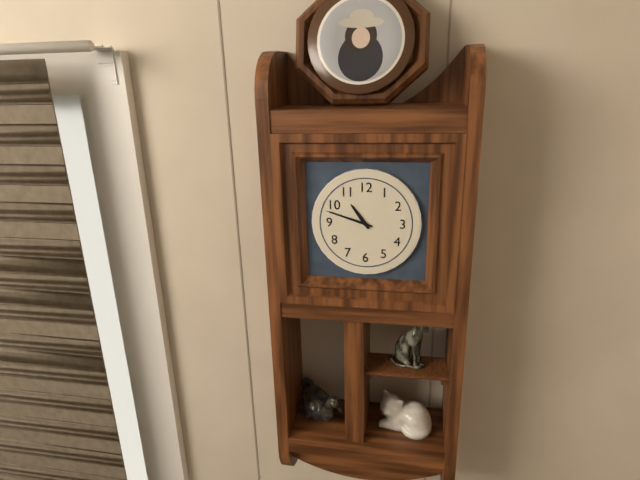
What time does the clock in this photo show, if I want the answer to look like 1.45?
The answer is 10.48
